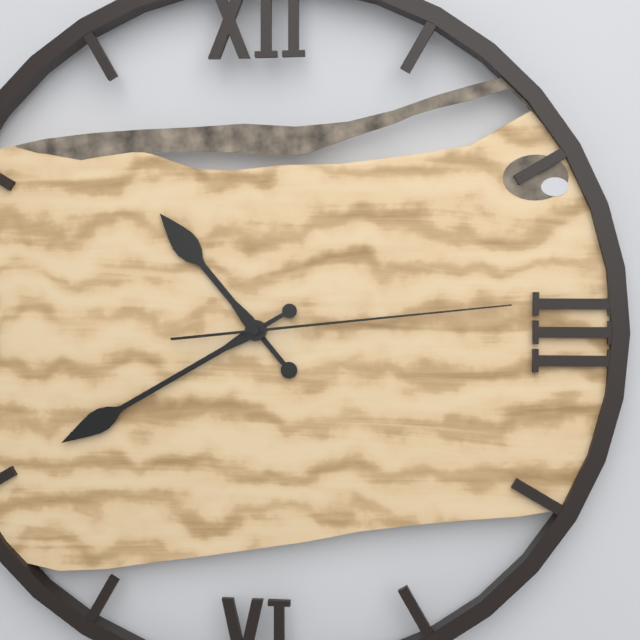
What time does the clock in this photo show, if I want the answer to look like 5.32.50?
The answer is 10.40.14
